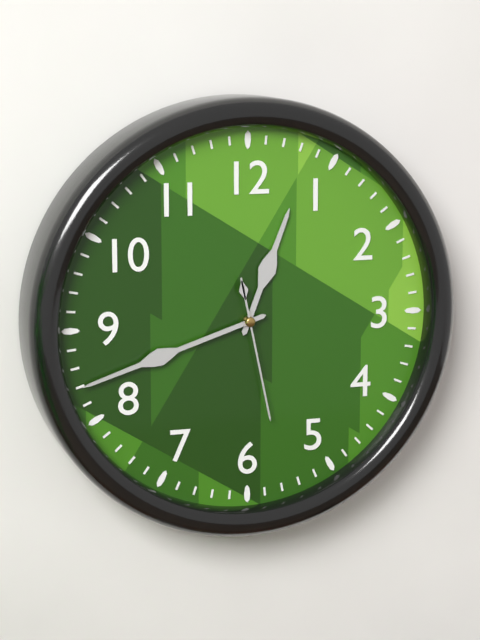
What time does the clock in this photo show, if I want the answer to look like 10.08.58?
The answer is 12.42.28
